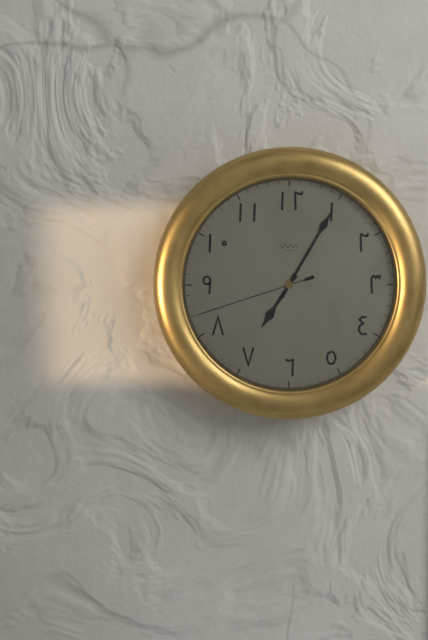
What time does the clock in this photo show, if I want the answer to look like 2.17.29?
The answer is 7.05.42
